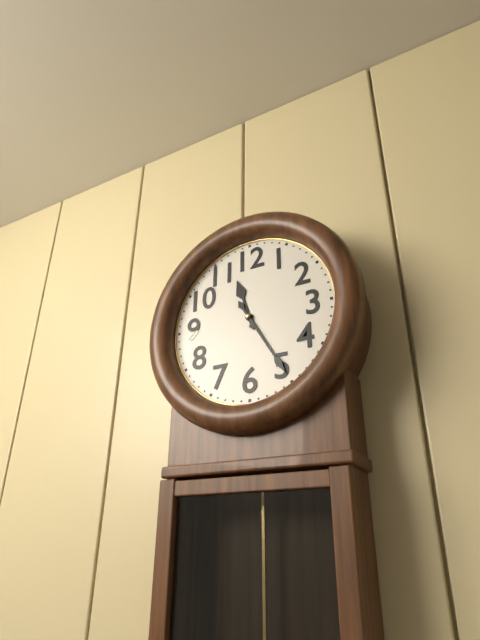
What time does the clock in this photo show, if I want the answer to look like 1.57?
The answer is 11.25
